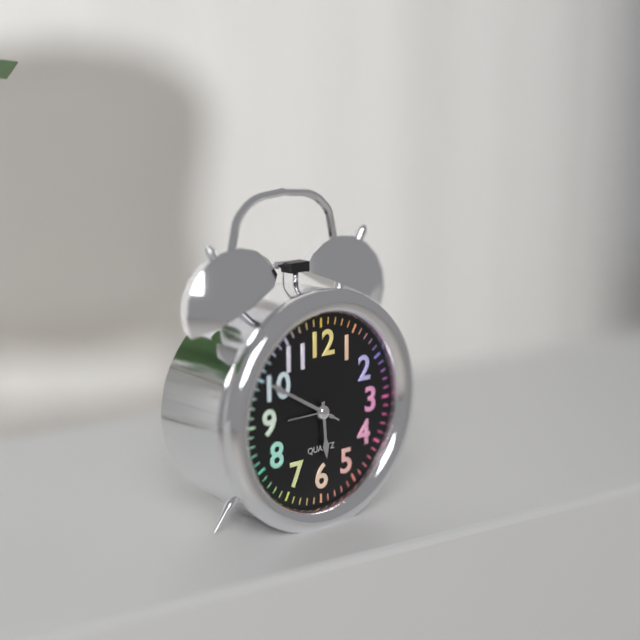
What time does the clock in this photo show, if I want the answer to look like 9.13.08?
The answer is 5.50.50
